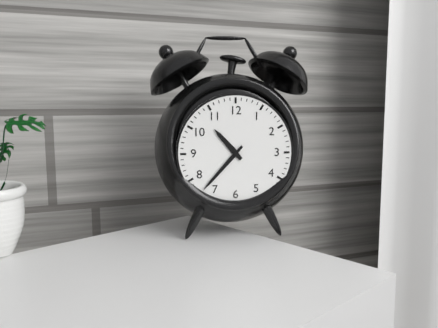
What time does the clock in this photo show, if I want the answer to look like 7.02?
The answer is 10.37
